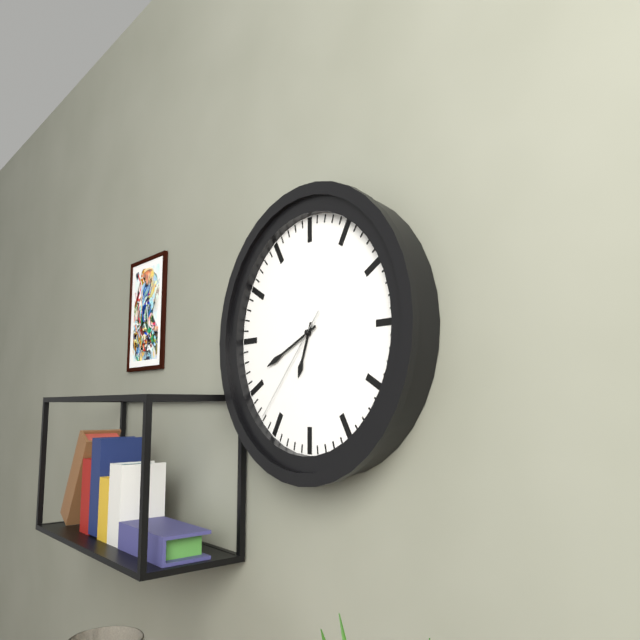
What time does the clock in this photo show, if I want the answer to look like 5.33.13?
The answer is 6.41.37
